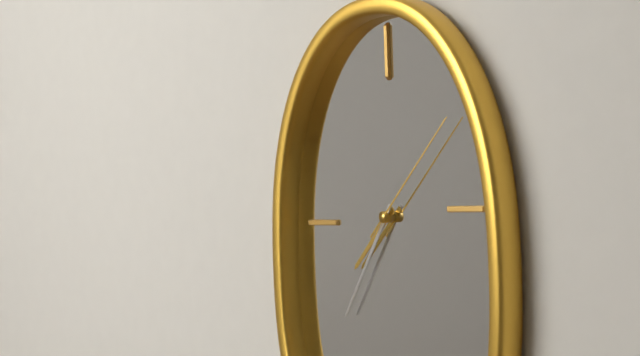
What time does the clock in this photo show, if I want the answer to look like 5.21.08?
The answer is 7.36.08
